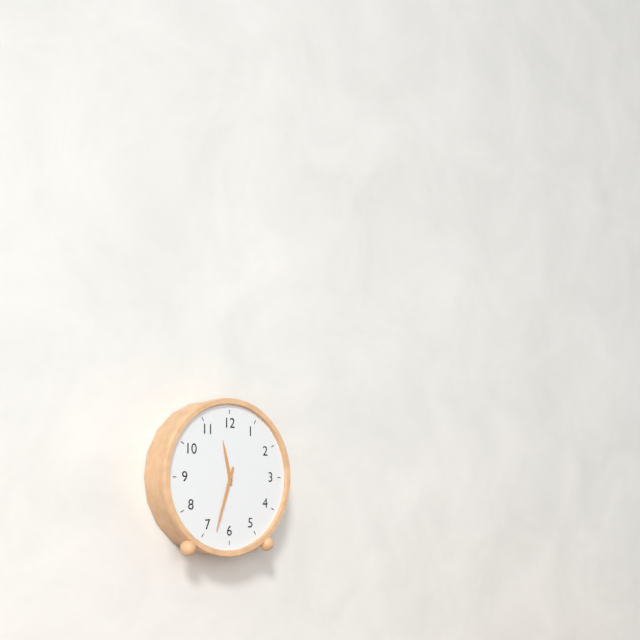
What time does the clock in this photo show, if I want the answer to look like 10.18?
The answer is 11.33
